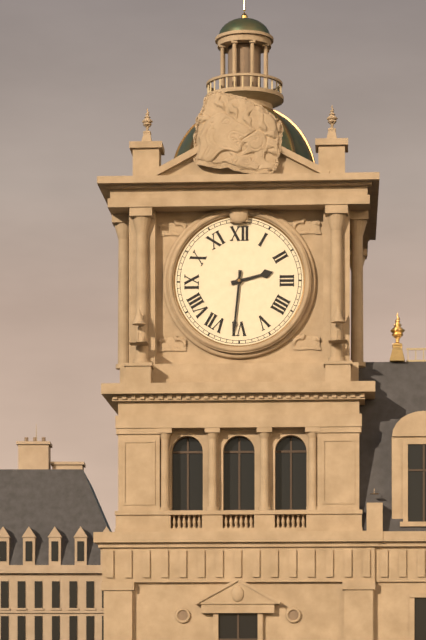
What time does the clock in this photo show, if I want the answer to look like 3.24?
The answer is 2.31
